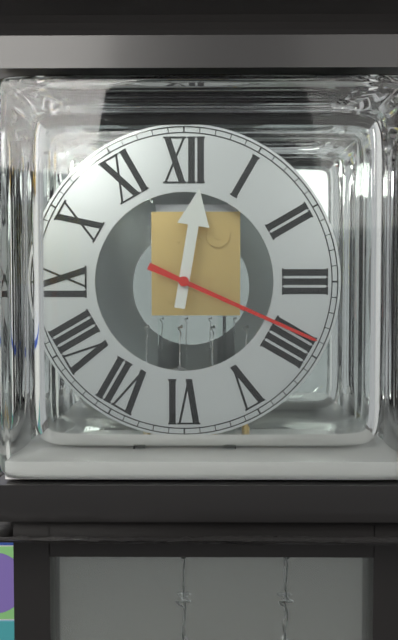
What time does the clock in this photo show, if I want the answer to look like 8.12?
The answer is 12.19
